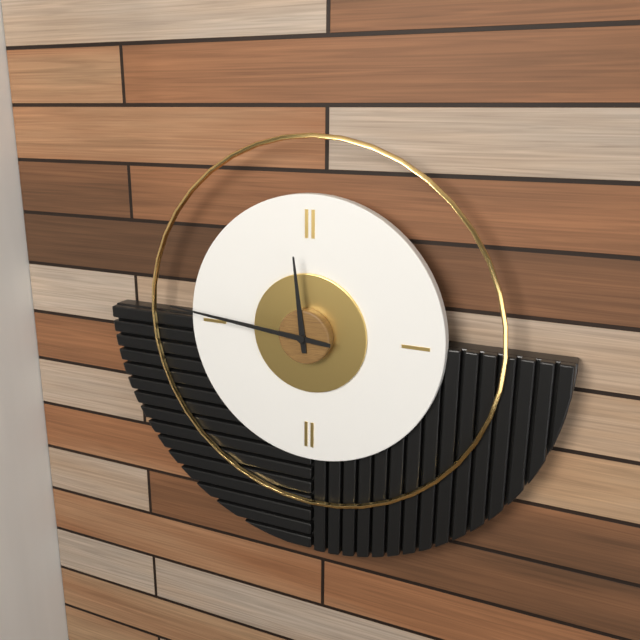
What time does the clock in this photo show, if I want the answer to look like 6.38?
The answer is 11.46
